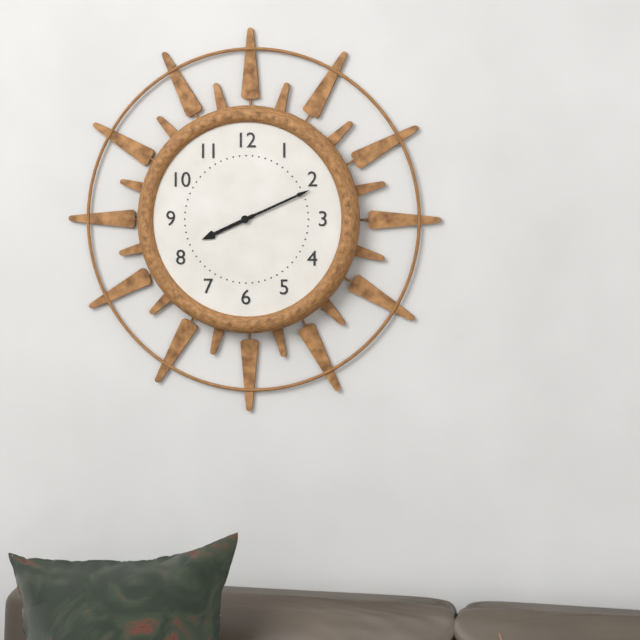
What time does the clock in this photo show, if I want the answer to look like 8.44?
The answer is 8.11
